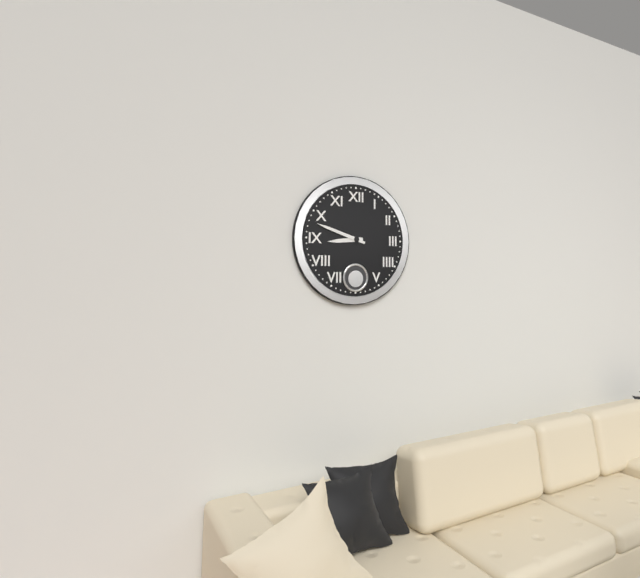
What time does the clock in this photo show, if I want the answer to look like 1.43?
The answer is 8.48
